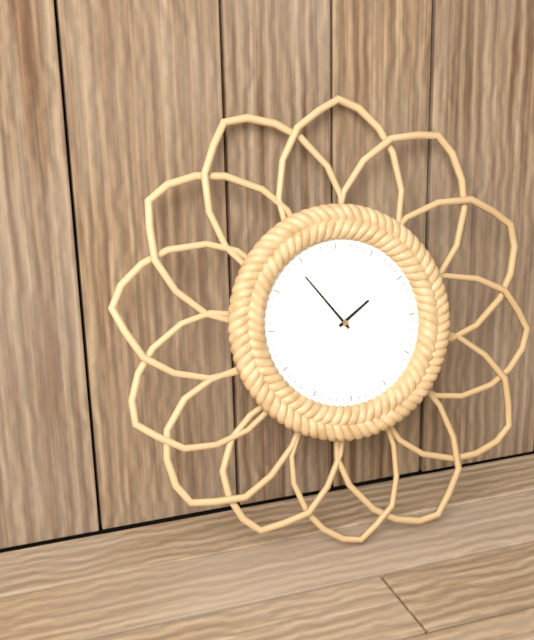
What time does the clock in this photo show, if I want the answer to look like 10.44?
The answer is 1.54
